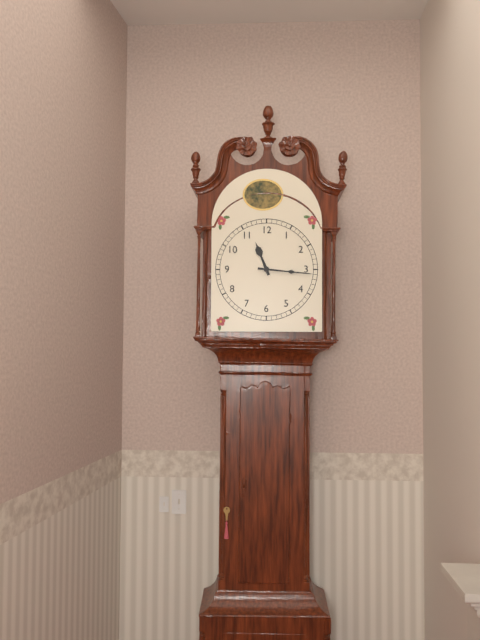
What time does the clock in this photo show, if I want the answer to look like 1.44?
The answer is 11.16
